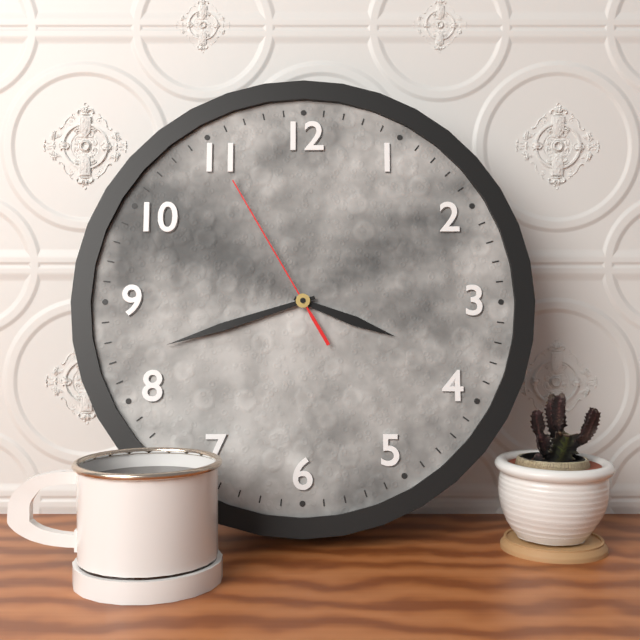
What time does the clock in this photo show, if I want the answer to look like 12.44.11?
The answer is 3.42.55
